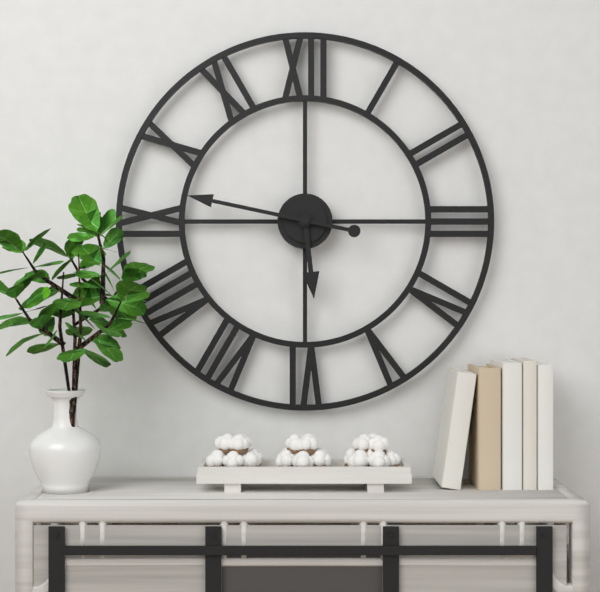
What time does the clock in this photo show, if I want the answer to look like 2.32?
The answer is 5.47
